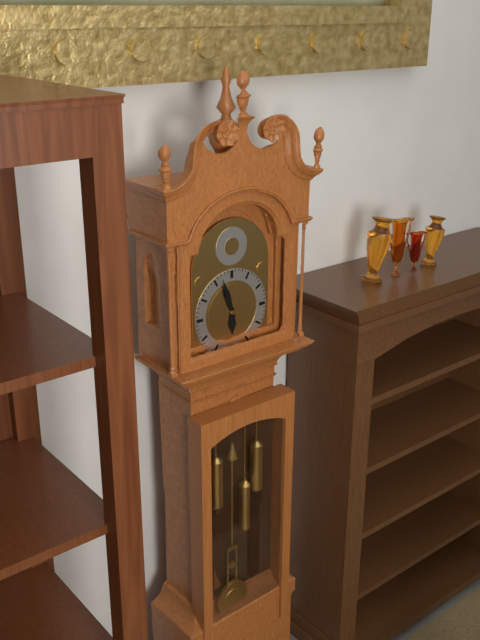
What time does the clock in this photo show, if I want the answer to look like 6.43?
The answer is 5.57
